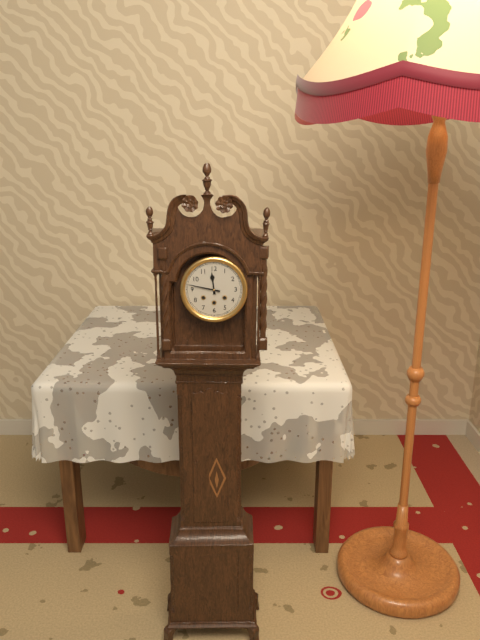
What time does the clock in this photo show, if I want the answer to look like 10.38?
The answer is 11.47
